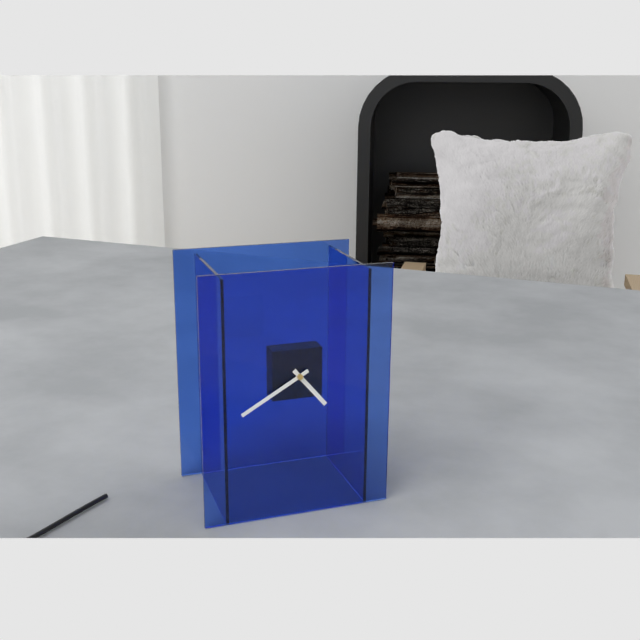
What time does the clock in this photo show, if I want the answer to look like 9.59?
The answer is 4.40
